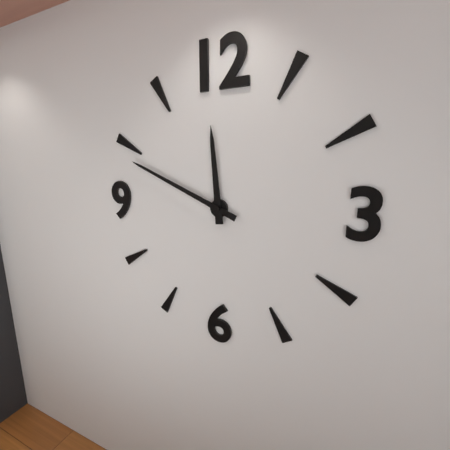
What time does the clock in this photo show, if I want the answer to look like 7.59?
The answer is 11.49
